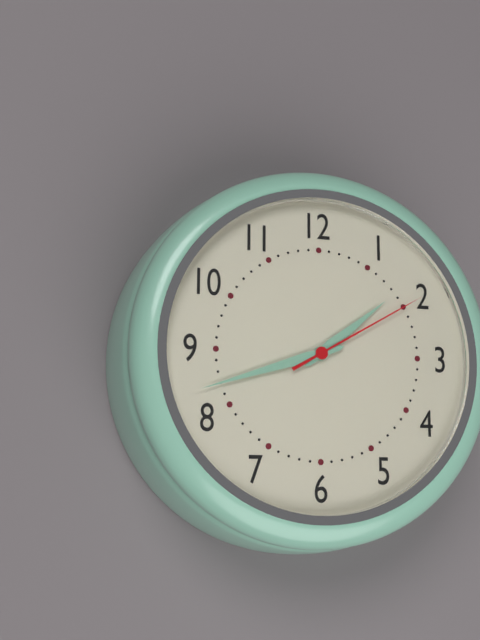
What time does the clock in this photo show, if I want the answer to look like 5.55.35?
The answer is 1.42.10
